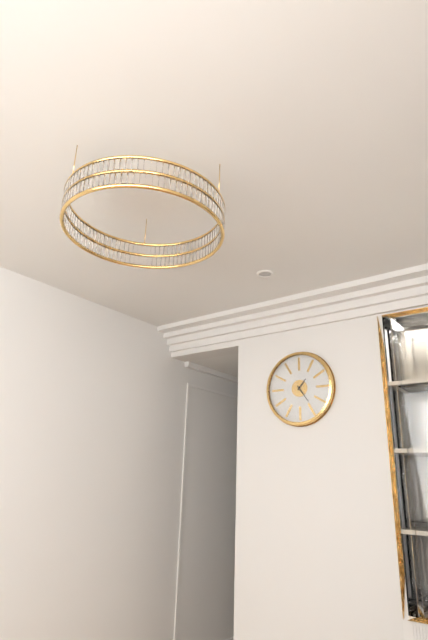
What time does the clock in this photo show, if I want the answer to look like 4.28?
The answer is 1.24
